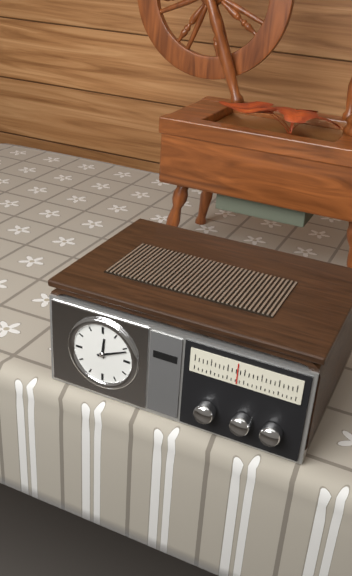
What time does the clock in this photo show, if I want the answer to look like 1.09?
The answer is 12.11
